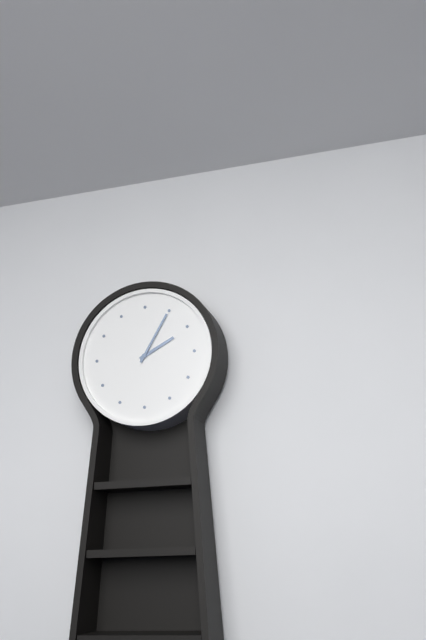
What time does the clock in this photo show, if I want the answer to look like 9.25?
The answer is 2.05
